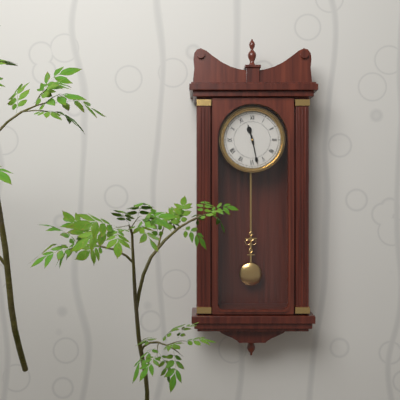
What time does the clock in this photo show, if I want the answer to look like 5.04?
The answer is 11.28
